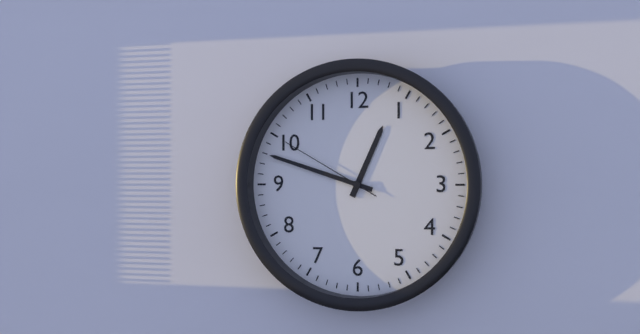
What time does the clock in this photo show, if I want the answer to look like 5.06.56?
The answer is 12.48.50
